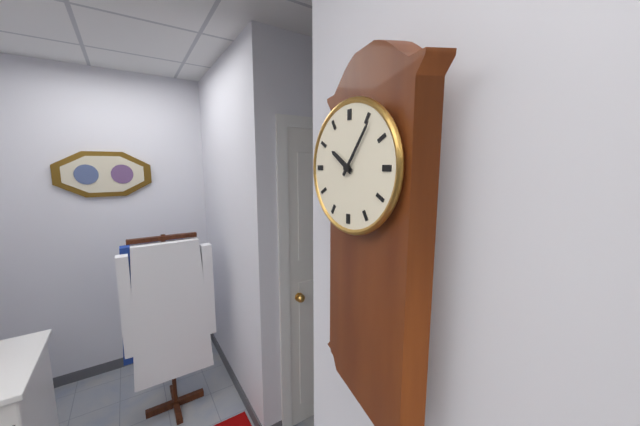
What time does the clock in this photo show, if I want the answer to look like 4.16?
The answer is 10.06
